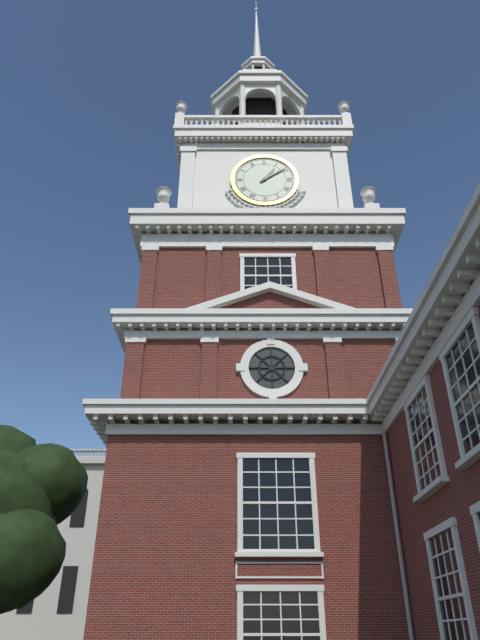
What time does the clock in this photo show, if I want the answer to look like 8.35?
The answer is 1.09
